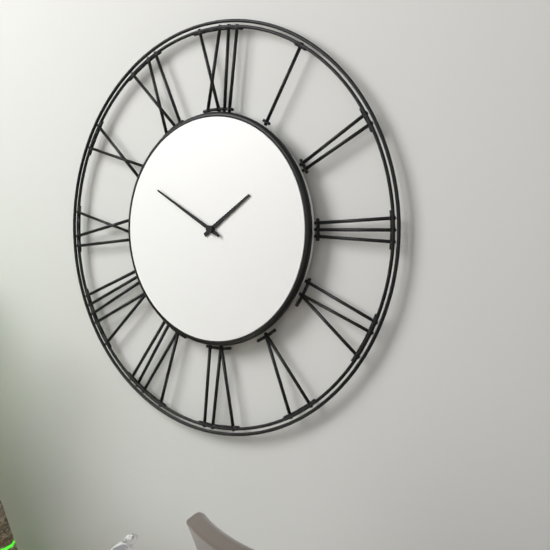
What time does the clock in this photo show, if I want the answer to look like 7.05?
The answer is 1.50
